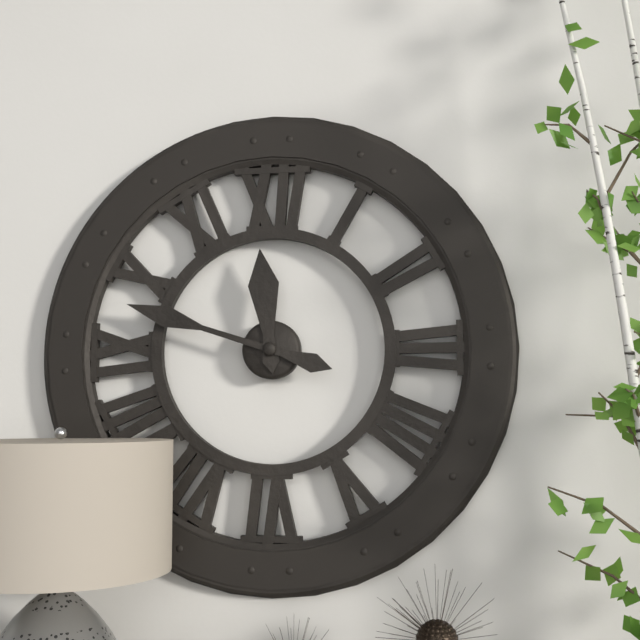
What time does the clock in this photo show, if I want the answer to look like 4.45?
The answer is 11.48
